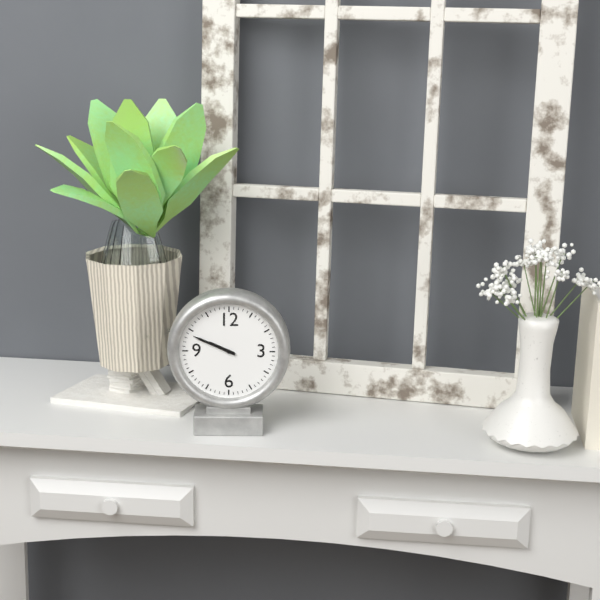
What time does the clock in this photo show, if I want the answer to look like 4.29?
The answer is 9.49
